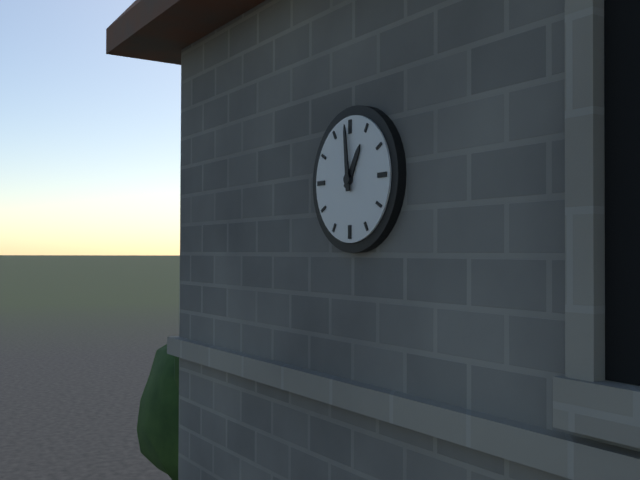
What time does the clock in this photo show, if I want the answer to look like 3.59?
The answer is 12.59
